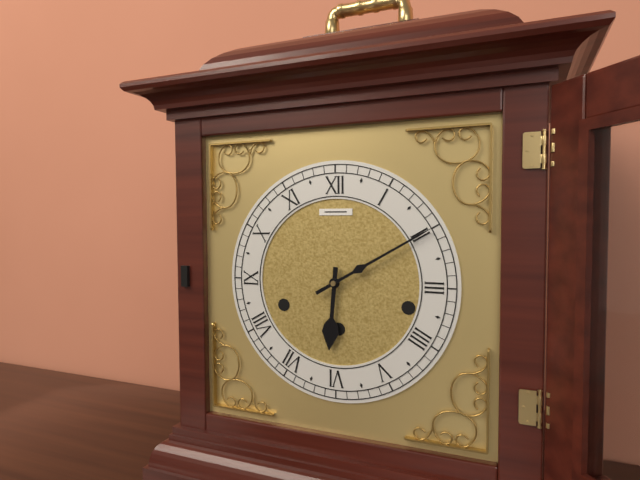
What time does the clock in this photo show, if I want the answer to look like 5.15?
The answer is 6.10
